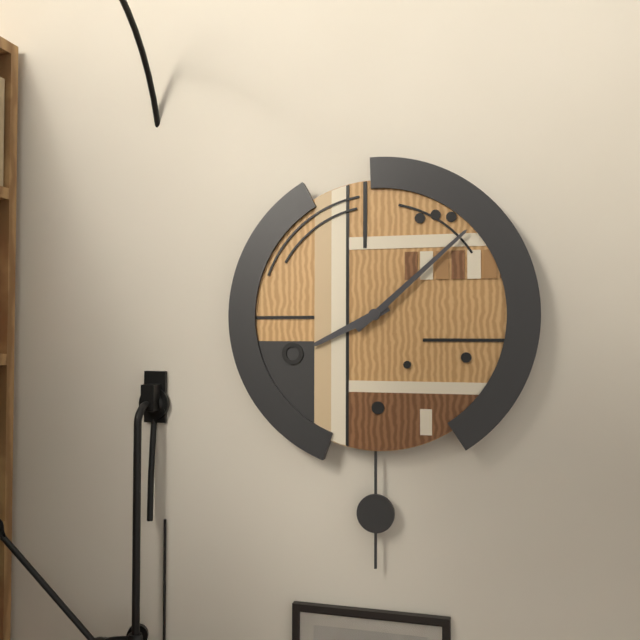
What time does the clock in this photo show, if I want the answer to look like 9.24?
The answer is 8.08
